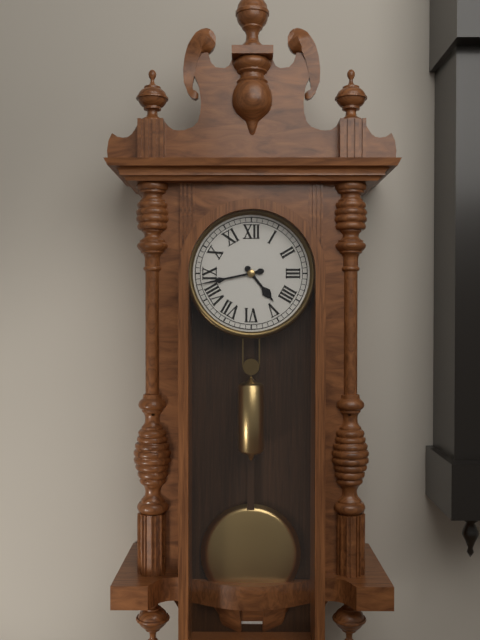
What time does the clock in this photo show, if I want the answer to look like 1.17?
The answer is 4.43
